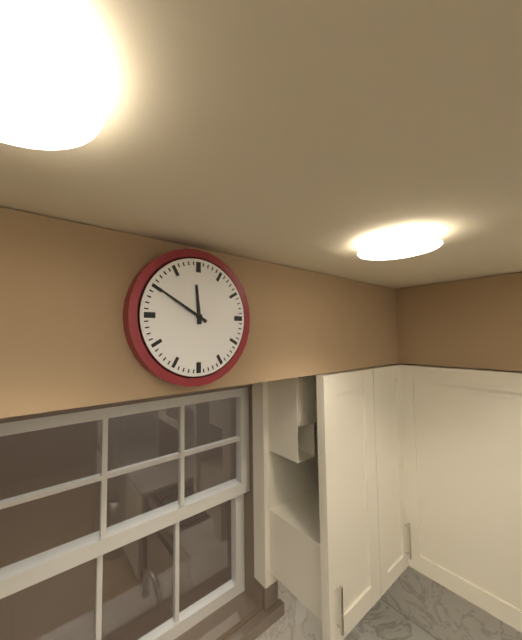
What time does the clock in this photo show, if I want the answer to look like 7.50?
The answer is 11.50
